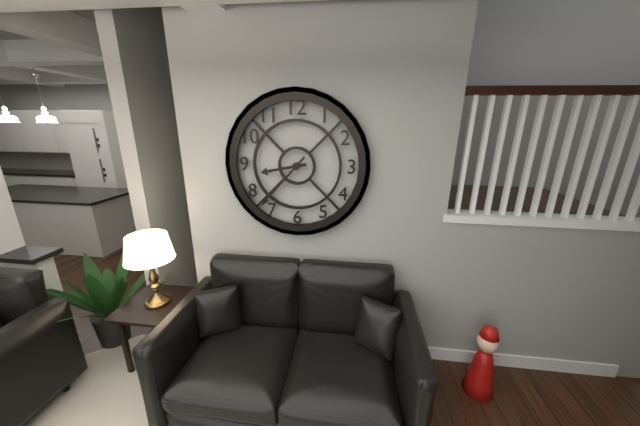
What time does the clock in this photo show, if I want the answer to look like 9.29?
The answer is 8.37
